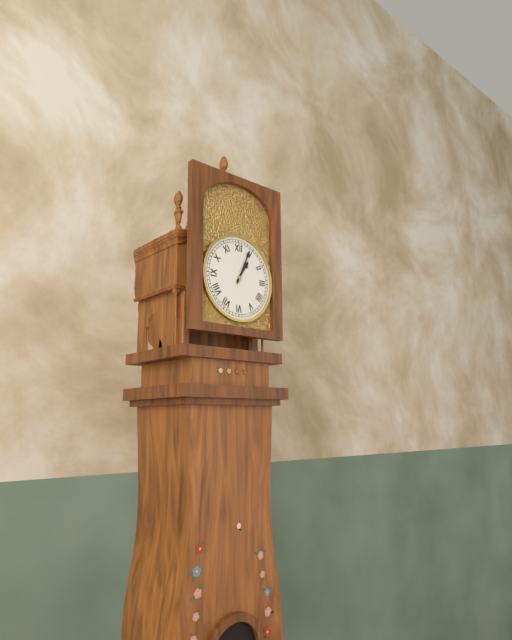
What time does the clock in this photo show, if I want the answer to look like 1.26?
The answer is 1.04
